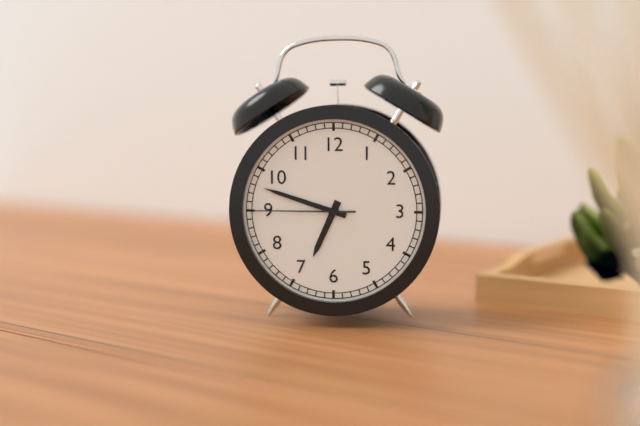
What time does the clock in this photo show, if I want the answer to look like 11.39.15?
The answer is 6.48.45
